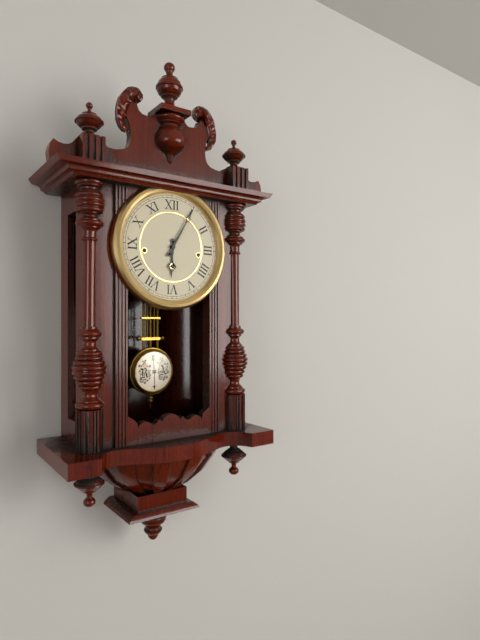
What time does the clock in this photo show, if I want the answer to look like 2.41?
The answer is 6.05
